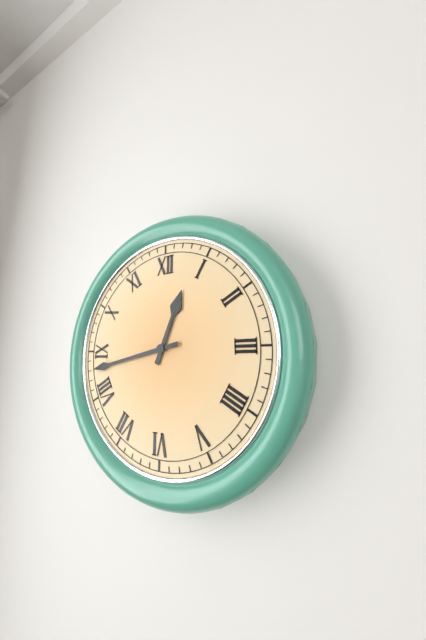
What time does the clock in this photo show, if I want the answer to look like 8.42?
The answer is 12.43
